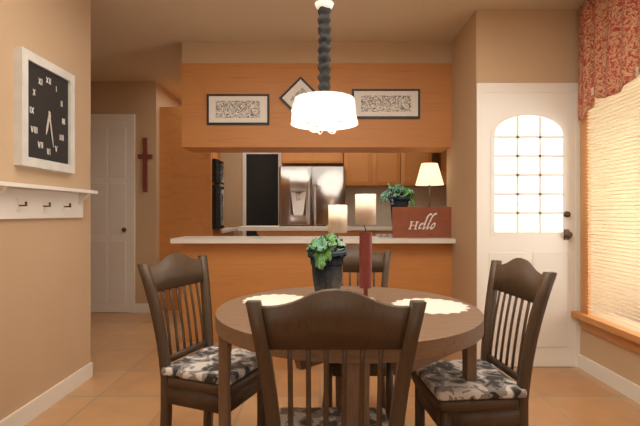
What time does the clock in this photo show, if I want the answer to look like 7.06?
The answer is 6.28
